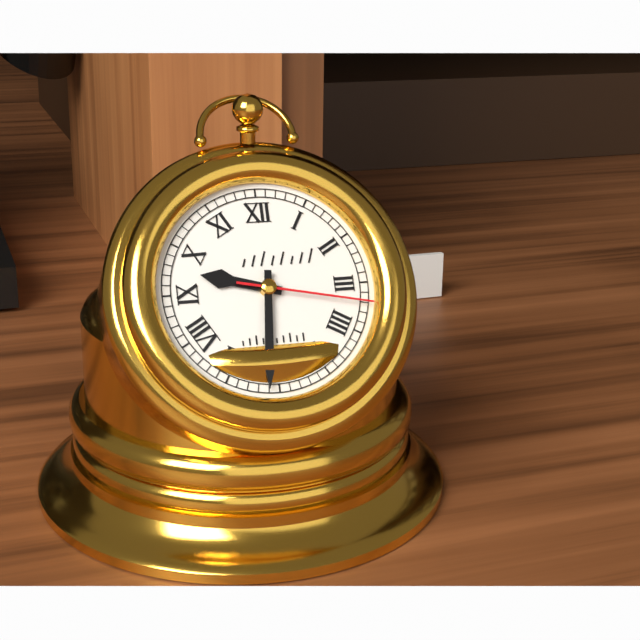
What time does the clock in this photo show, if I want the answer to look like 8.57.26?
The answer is 9.31.17
